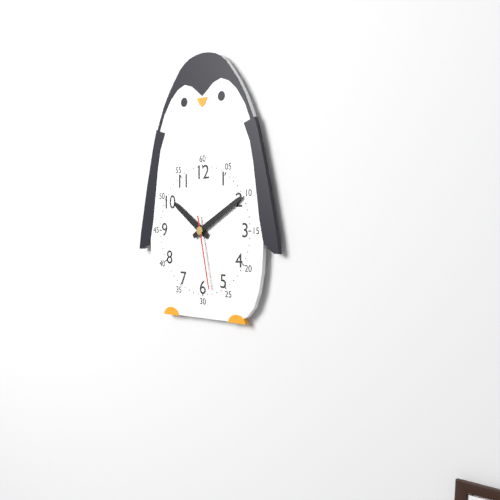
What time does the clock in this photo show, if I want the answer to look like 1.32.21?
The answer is 10.10.28
